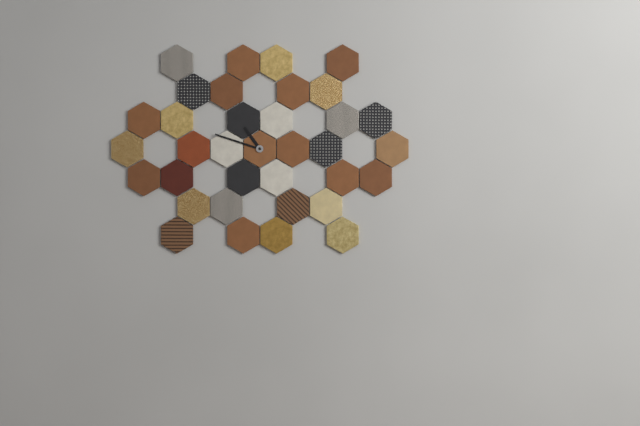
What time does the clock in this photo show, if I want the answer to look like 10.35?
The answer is 10.48
